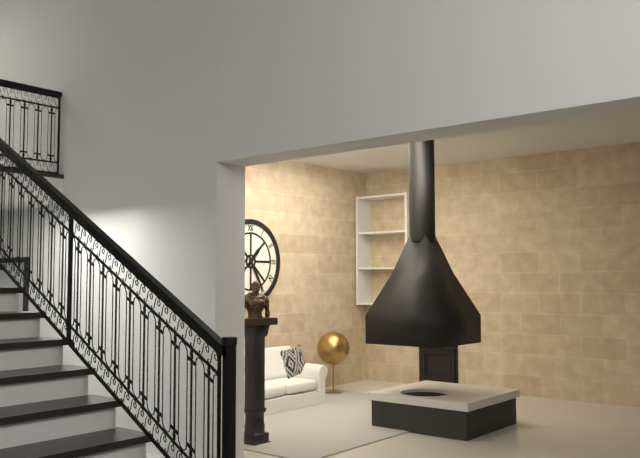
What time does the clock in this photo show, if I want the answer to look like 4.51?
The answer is 1.25
